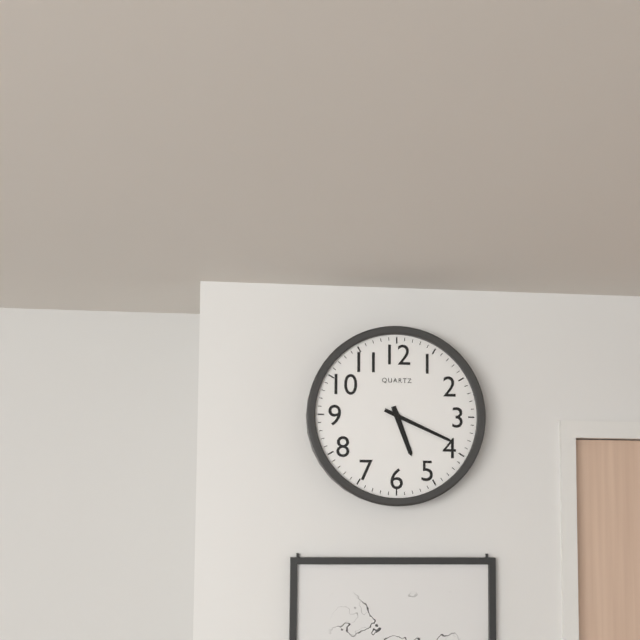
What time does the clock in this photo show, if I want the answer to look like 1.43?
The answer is 5.19
